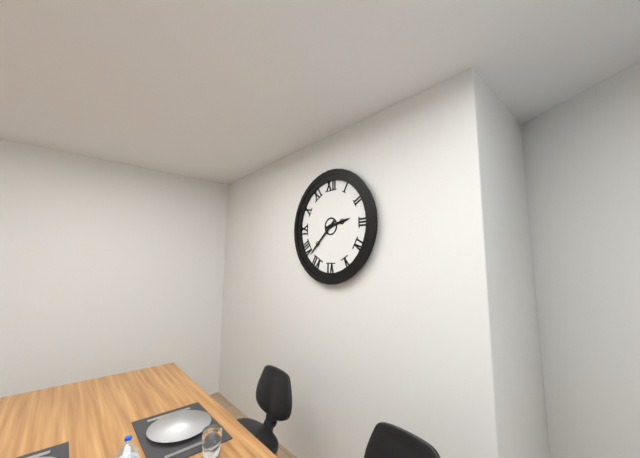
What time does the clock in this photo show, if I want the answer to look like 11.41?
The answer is 2.38
